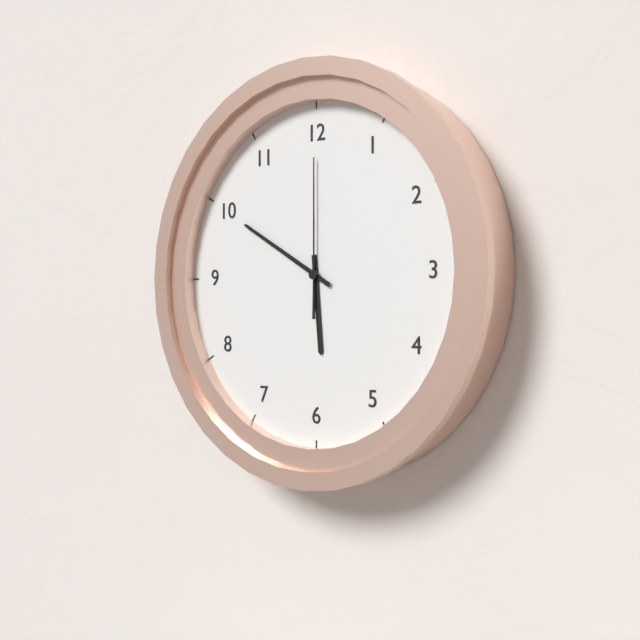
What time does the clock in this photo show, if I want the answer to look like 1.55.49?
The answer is 5.50.00
